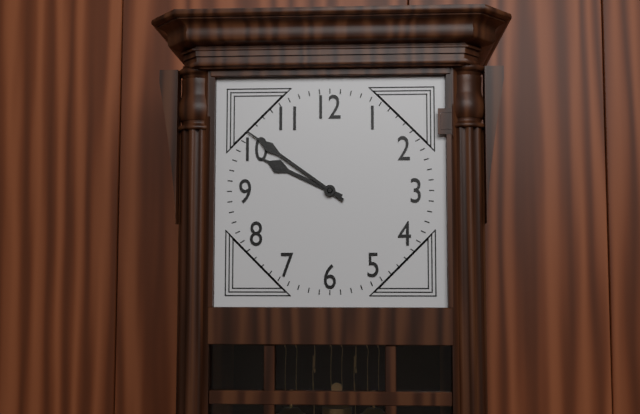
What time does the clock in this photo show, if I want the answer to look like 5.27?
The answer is 9.51
